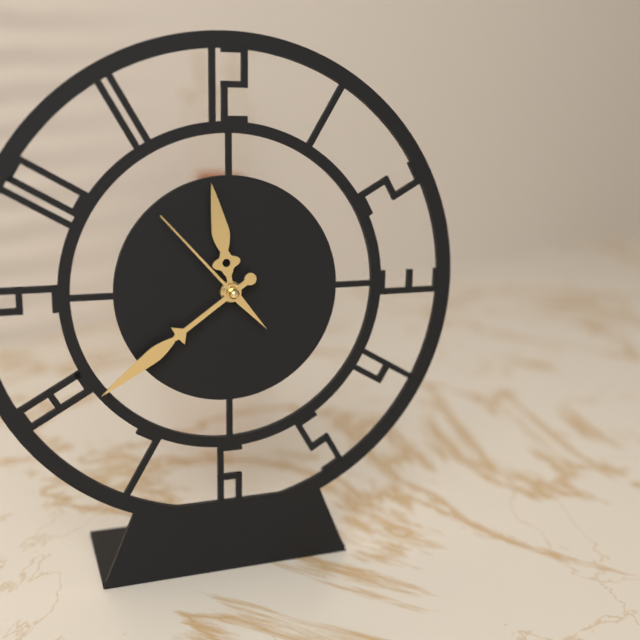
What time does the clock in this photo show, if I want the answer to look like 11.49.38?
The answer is 11.39.53
